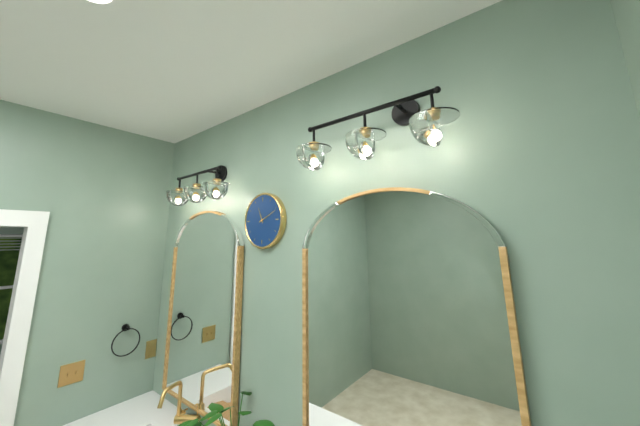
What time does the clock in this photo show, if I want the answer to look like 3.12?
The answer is 11.11
